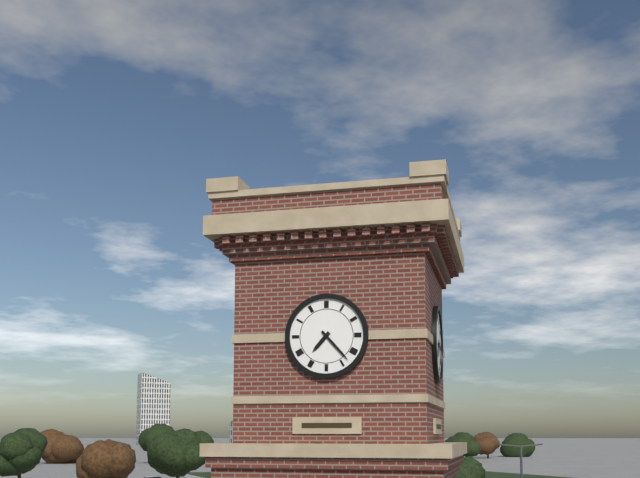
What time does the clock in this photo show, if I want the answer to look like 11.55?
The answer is 7.23
